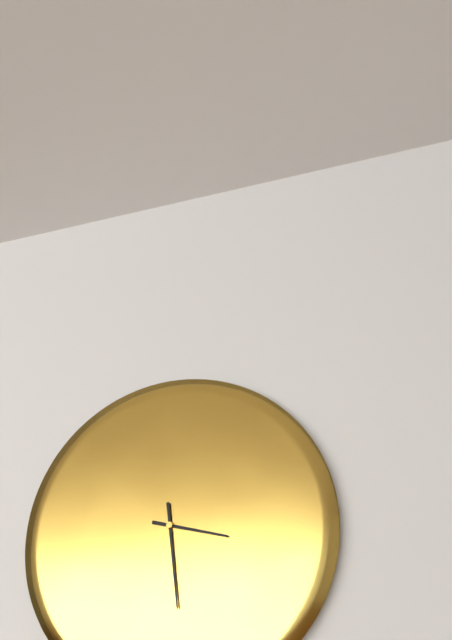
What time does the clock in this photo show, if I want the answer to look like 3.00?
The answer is 3.29
